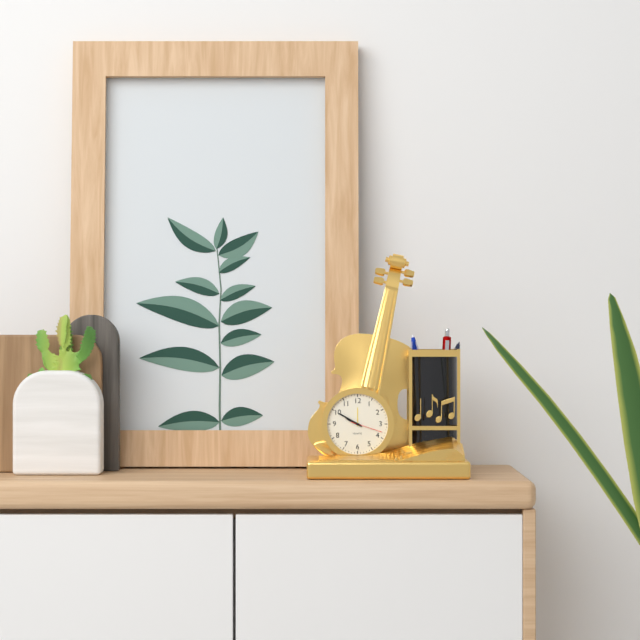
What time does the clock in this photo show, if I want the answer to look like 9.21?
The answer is 9.50
